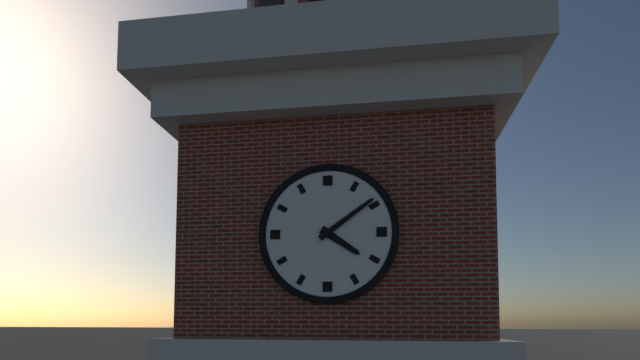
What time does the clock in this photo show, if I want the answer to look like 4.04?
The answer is 4.09
